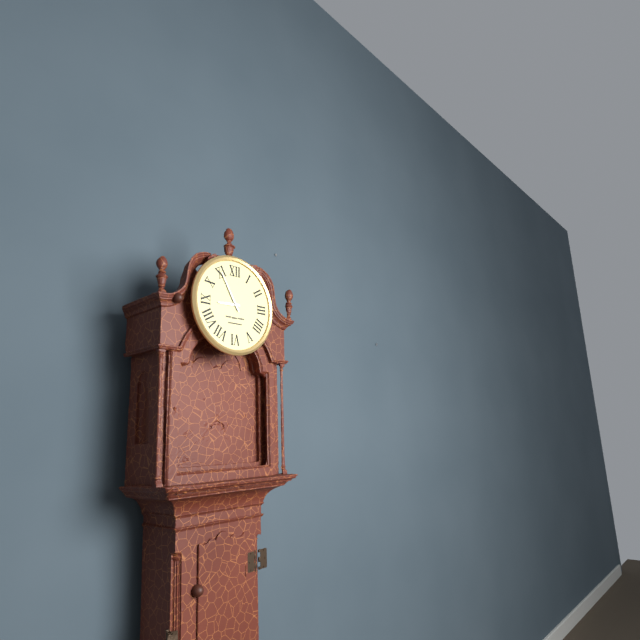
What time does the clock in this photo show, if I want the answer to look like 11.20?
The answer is 8.55
